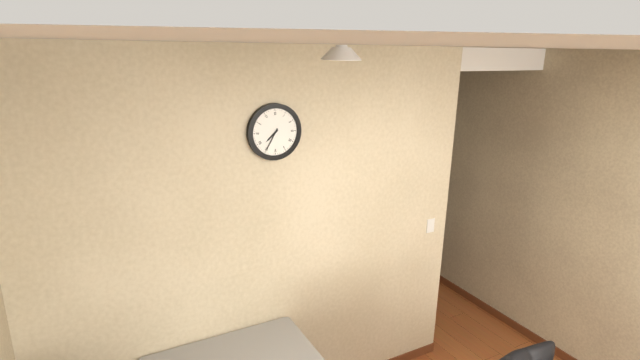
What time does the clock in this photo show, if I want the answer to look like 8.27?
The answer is 7.35
